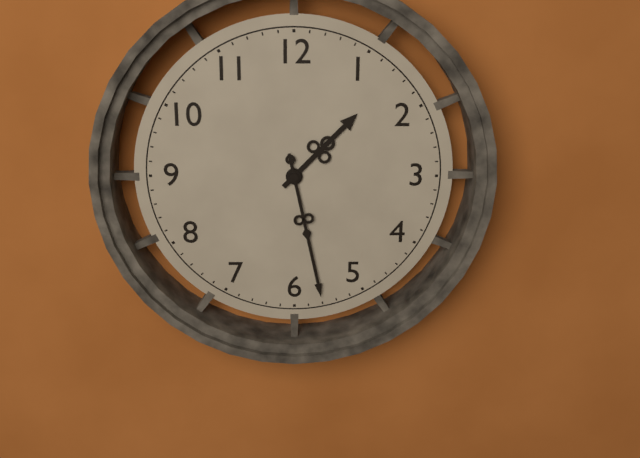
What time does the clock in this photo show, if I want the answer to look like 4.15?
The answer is 1.28
